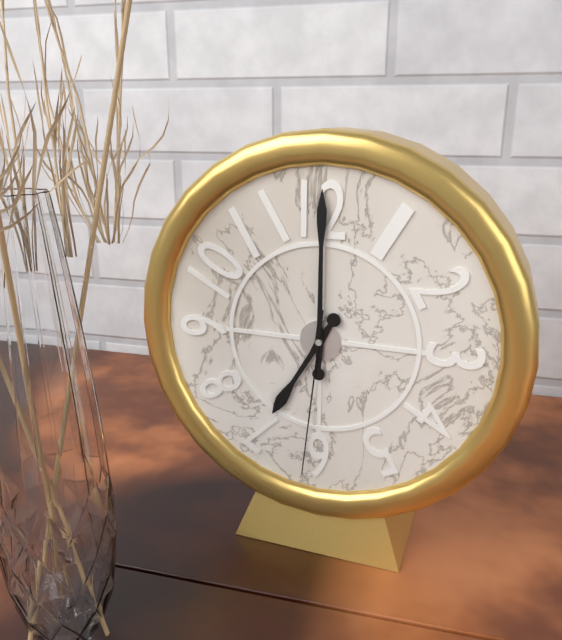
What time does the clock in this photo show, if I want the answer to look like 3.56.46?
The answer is 7.00.31
